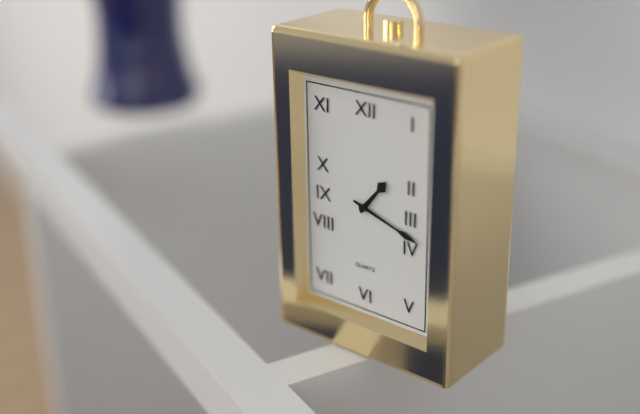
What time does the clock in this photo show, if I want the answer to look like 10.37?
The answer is 1.18
